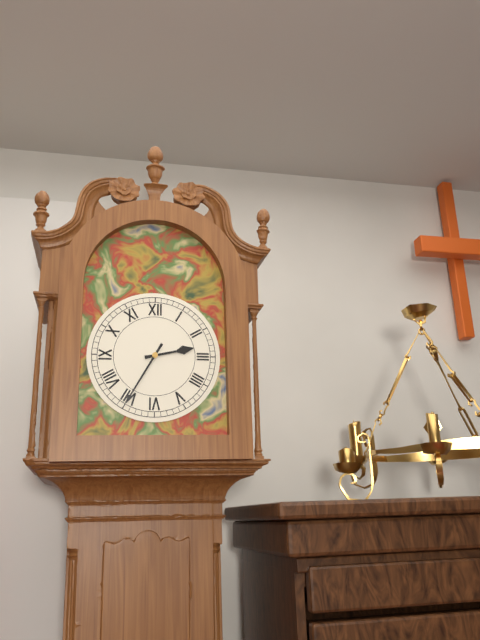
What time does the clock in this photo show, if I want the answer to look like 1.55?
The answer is 2.35
